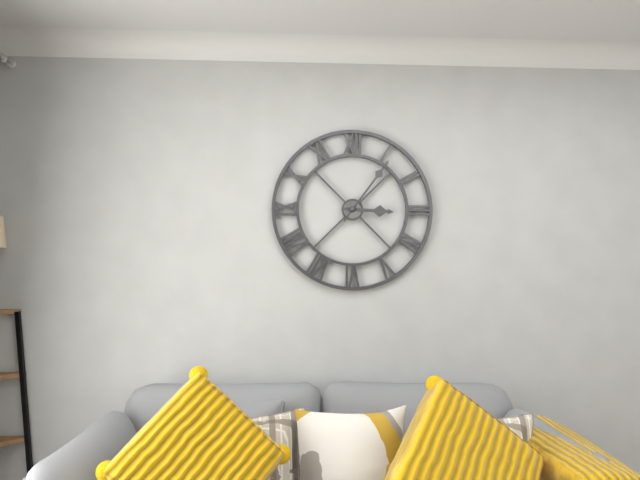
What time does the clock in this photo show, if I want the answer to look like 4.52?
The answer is 3.06
